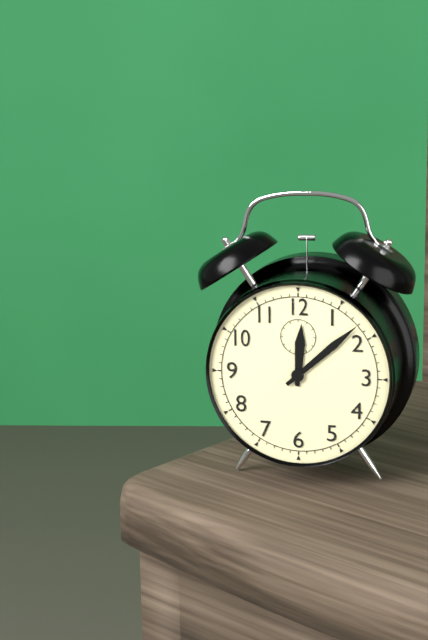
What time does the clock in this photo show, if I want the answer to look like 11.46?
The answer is 12.08
